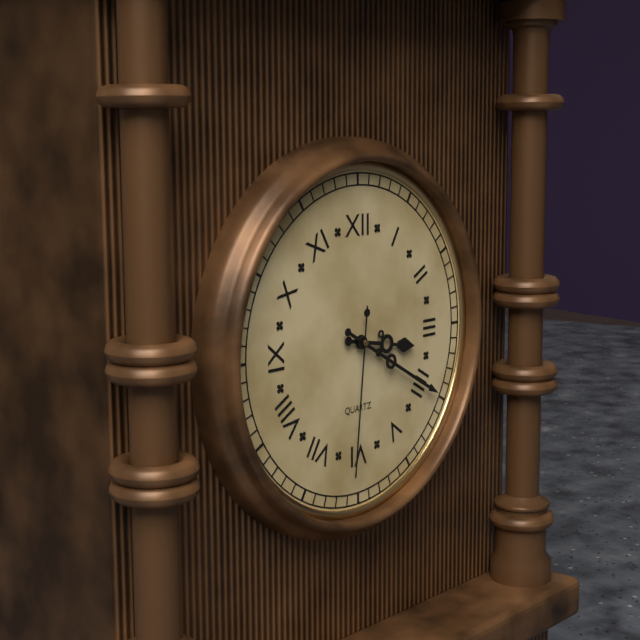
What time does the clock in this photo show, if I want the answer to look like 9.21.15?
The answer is 3.20.31
